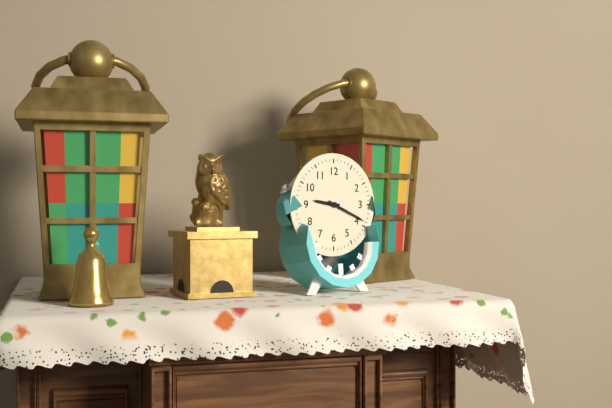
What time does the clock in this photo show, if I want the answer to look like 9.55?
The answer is 9.19
